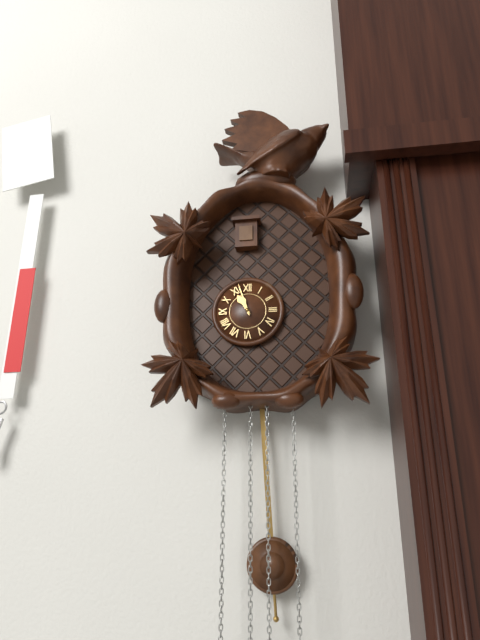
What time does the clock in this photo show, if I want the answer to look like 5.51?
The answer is 10.57
